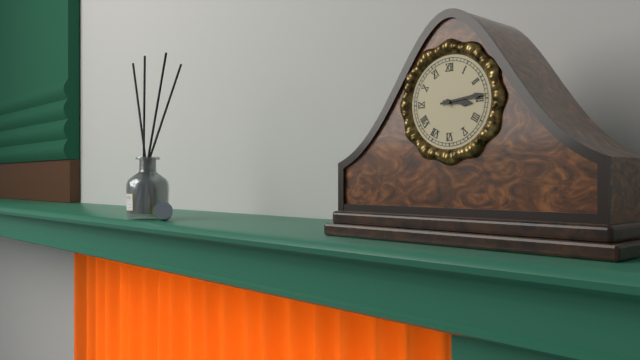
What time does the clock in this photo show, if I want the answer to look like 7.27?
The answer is 3.14
